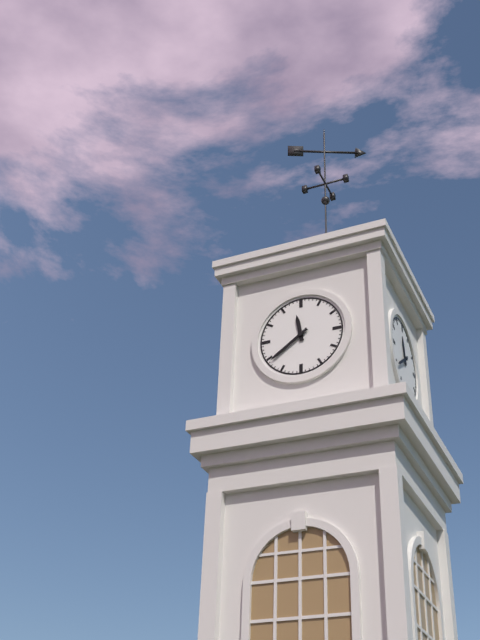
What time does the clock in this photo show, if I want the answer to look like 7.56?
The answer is 11.39
